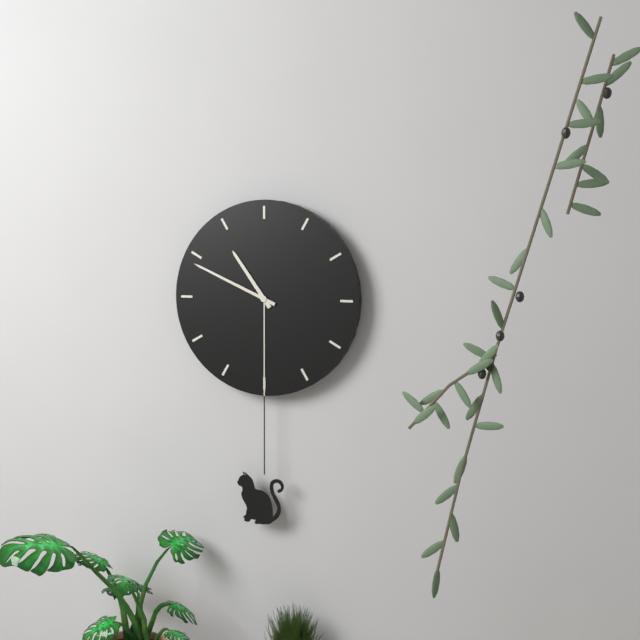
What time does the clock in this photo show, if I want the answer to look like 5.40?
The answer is 10.49
